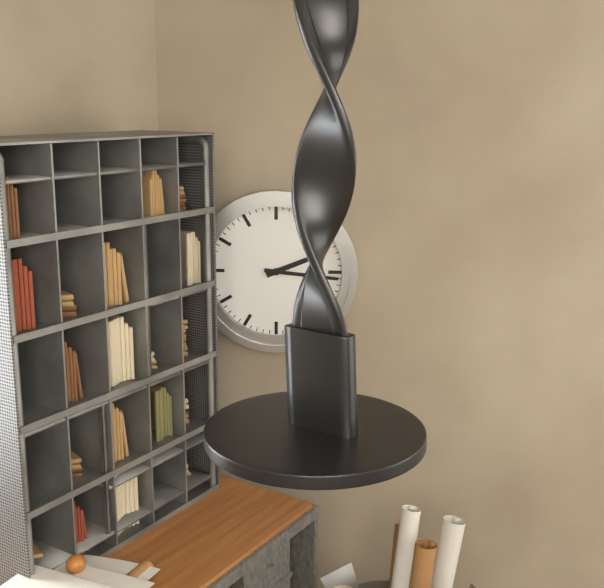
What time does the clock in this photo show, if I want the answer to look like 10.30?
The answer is 2.16
